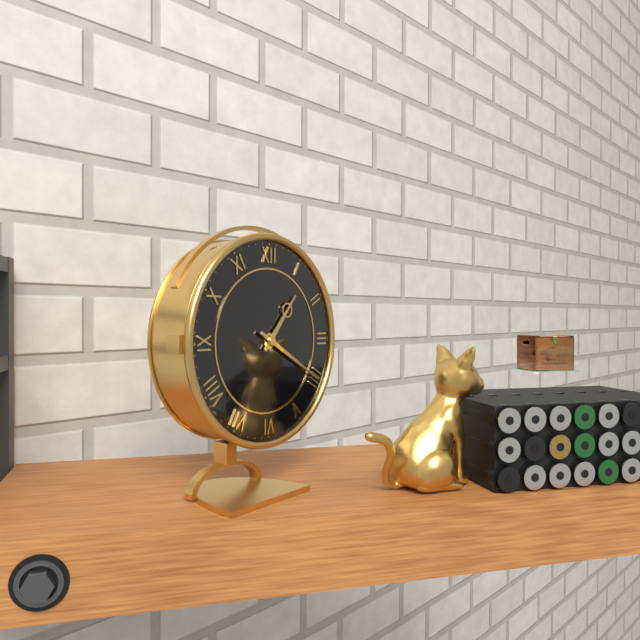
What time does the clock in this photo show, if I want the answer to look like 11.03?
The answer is 1.20
